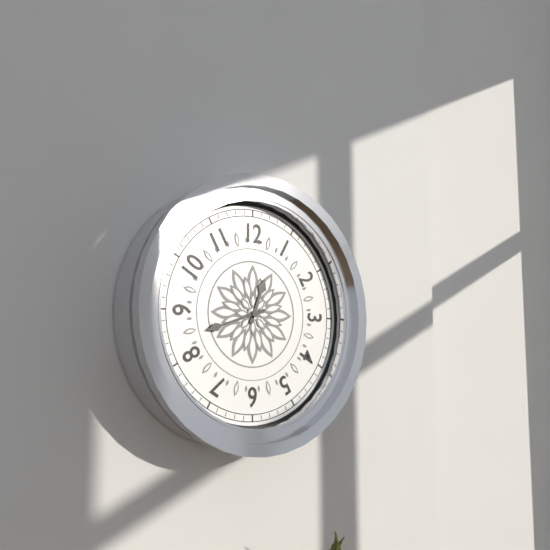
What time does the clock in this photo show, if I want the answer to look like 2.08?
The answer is 12.42
